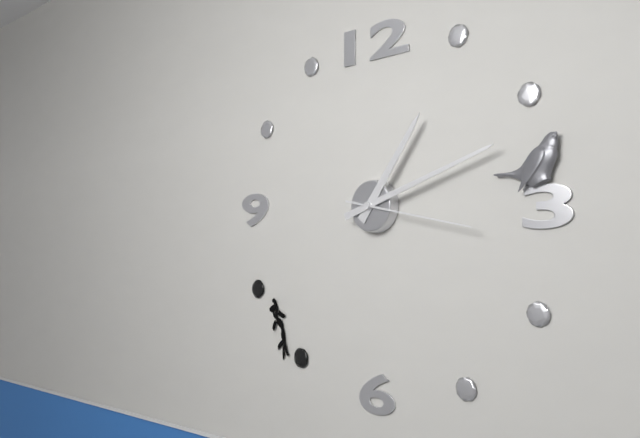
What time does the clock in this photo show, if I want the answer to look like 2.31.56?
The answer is 1.12.17
